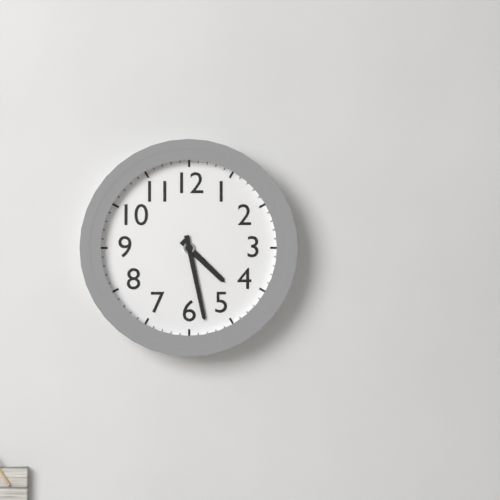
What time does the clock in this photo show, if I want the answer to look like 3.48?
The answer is 4.28
